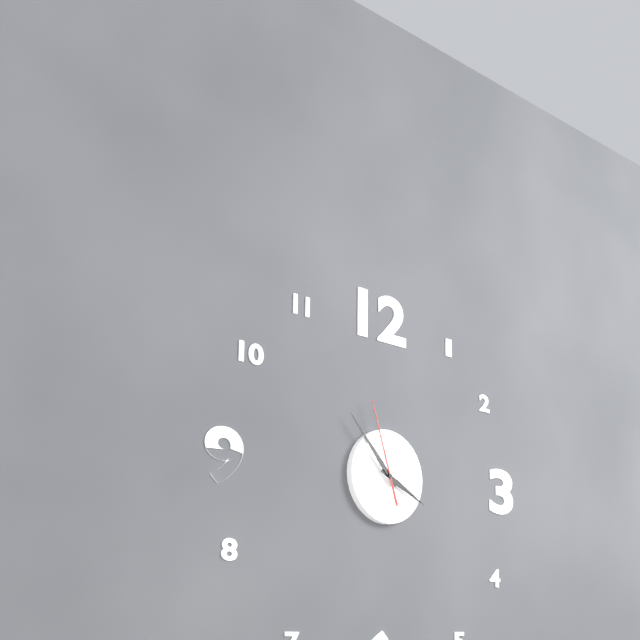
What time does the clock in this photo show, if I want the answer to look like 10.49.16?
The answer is 3.53.57
